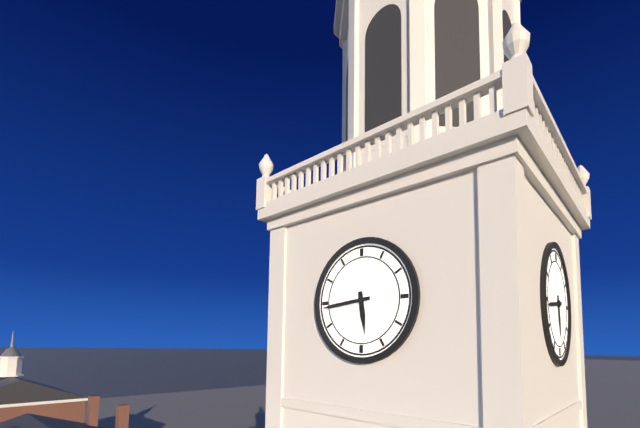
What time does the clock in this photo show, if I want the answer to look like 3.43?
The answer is 5.44
